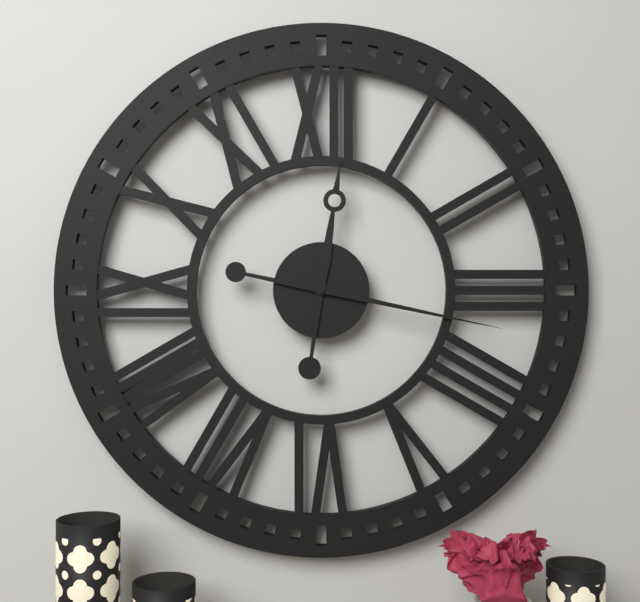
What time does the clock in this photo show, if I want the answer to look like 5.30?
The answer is 12.17
